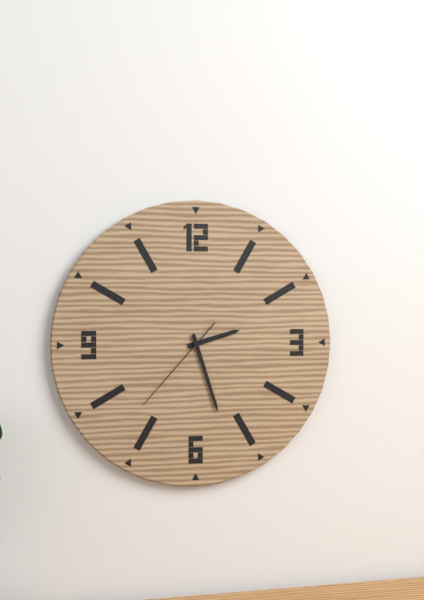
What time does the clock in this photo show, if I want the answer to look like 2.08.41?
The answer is 2.27.37
